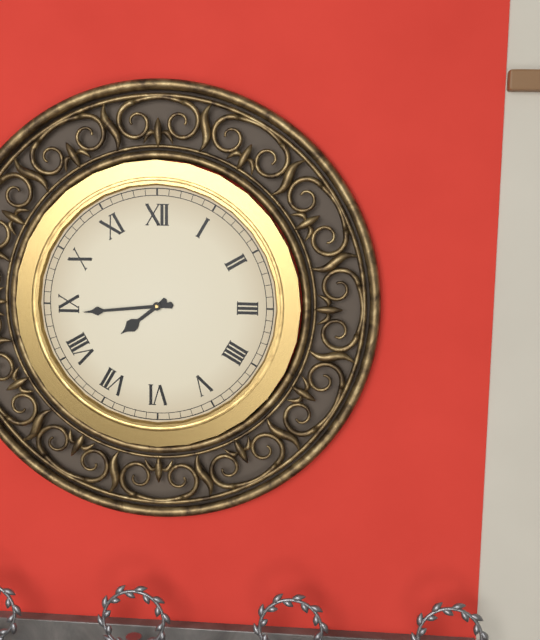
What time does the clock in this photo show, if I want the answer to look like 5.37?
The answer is 7.44
